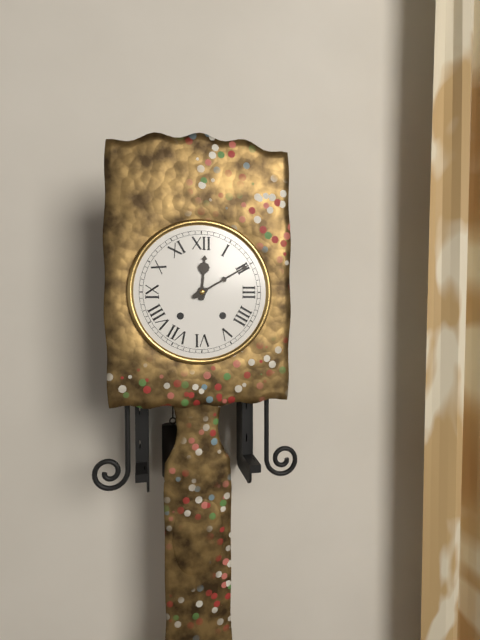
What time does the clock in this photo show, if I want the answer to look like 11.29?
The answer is 12.10
